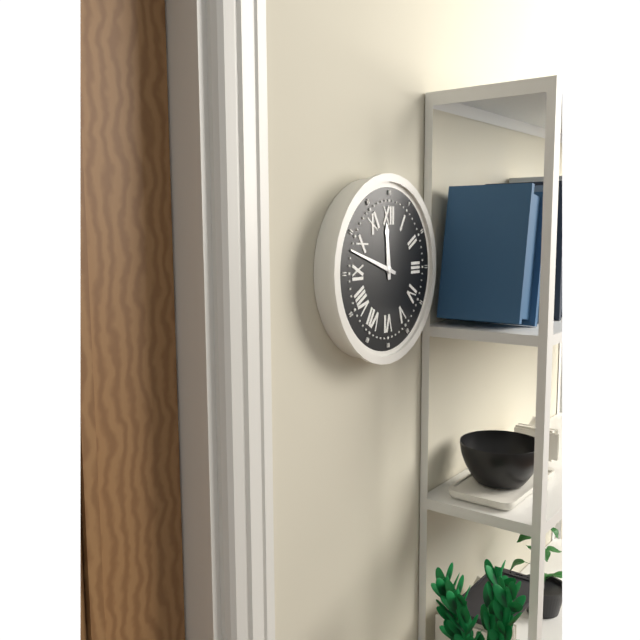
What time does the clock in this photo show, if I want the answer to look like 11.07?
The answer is 11.48
